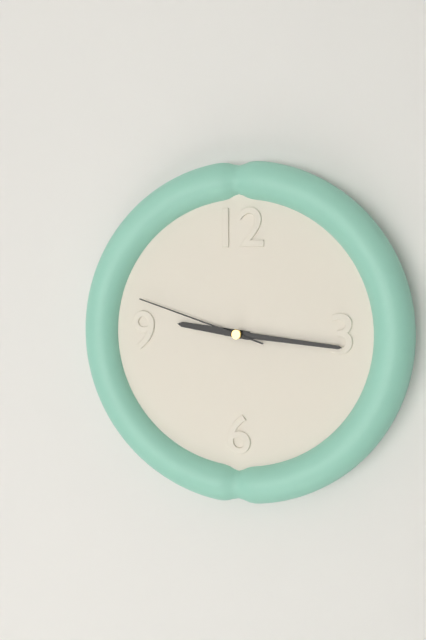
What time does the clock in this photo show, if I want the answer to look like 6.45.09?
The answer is 9.16.48
